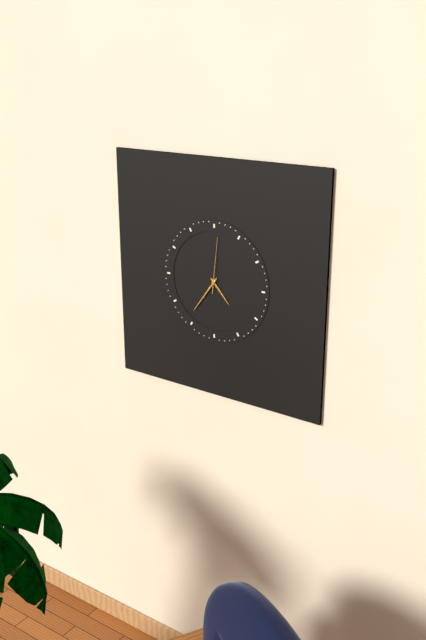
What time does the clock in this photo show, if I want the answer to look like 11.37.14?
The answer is 4.36.01
